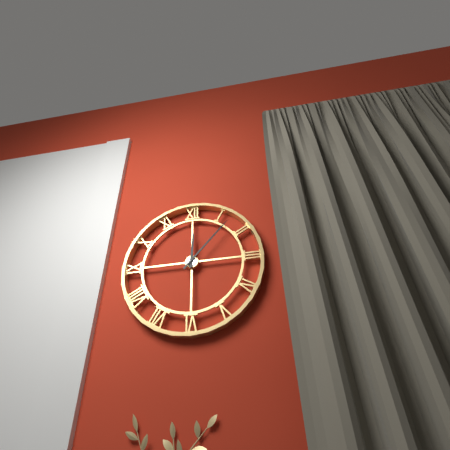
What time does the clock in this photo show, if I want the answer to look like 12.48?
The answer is 12.07
